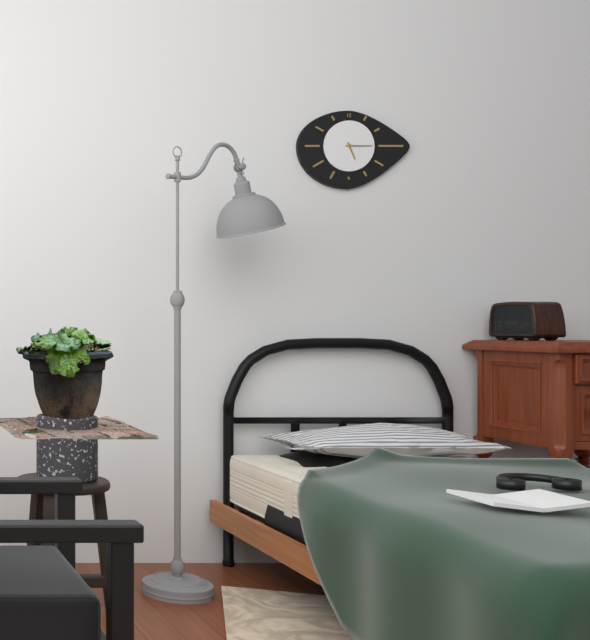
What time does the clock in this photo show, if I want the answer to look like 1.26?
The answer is 5.15
